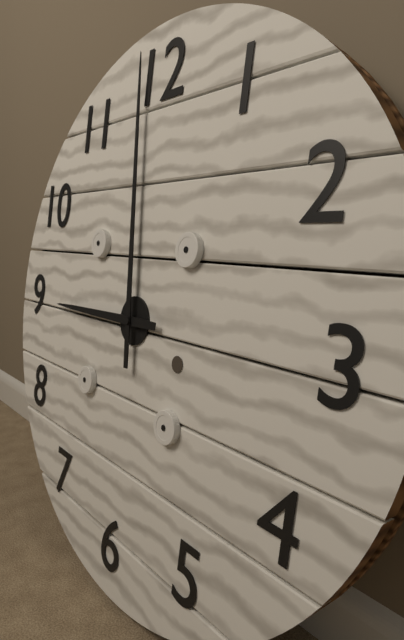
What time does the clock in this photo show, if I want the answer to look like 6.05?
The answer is 8.59
